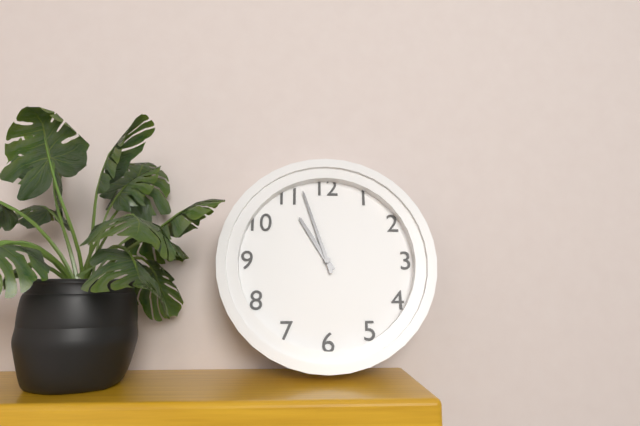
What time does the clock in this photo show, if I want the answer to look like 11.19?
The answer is 10.57
